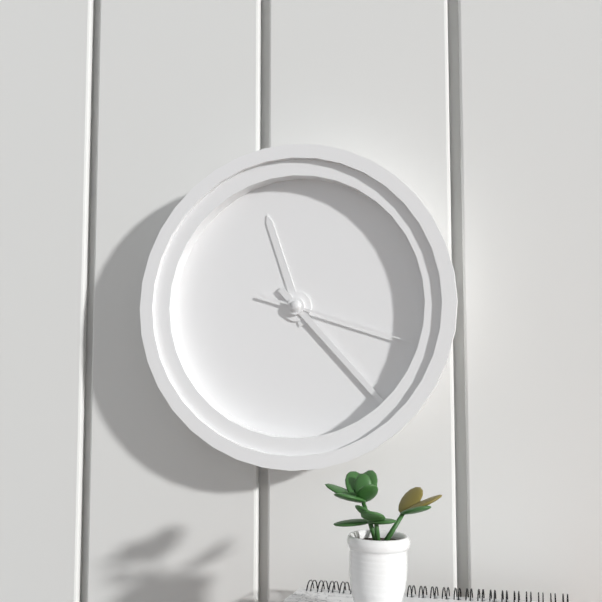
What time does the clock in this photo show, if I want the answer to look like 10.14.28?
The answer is 11.23.18
